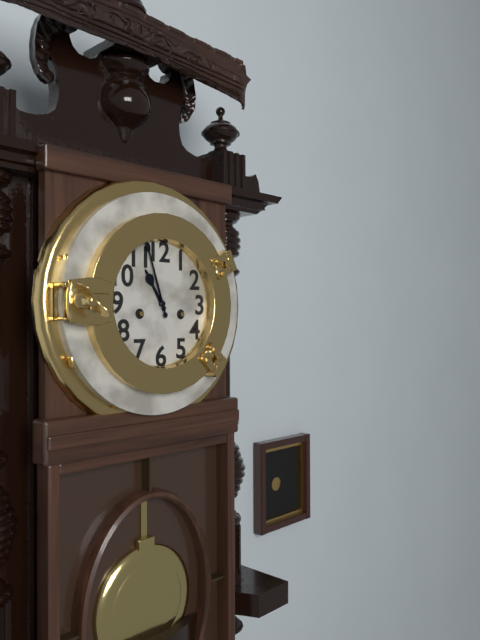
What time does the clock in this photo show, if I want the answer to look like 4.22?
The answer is 10.57
